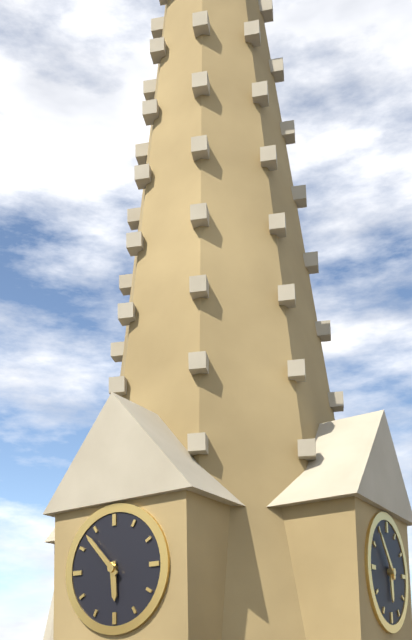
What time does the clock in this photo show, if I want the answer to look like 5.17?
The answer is 5.53
